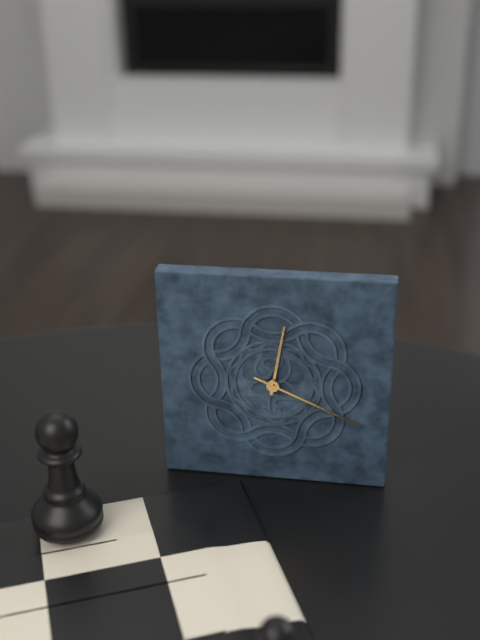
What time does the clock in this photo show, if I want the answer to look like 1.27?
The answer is 12.19
